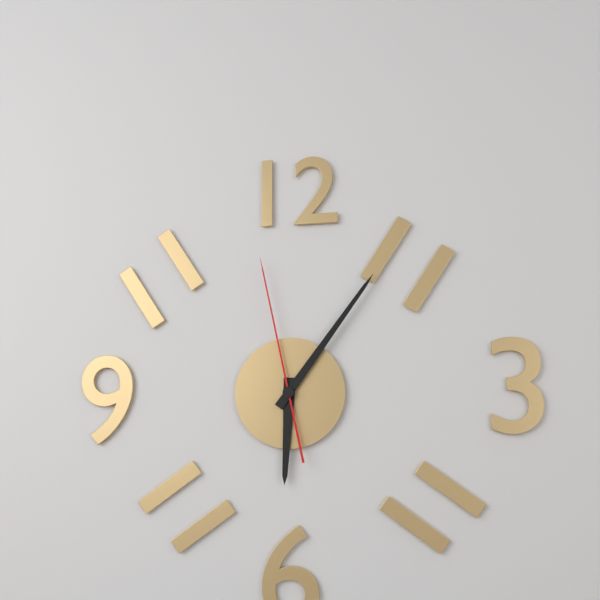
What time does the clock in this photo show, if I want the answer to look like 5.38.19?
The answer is 6.06.58
